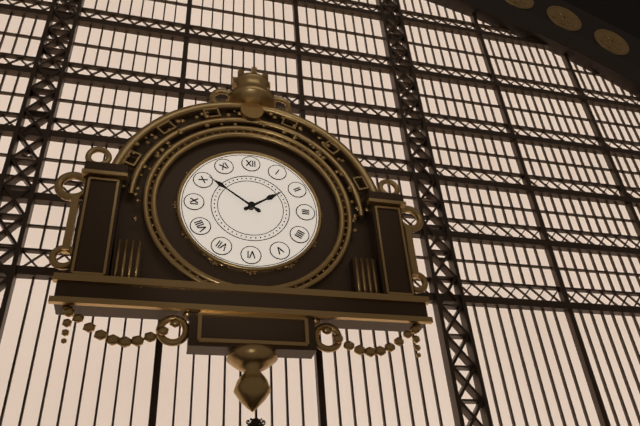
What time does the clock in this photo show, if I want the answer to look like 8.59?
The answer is 1.51
